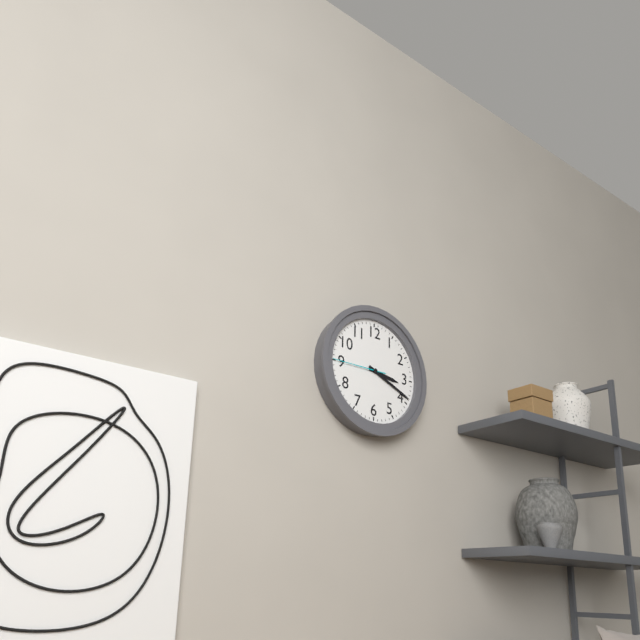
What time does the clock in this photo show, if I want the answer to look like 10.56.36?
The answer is 3.19.45
